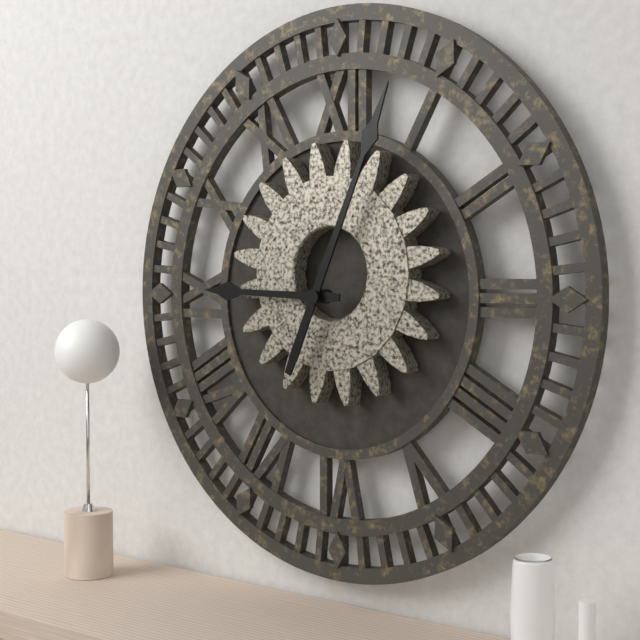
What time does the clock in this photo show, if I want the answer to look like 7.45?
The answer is 9.04
